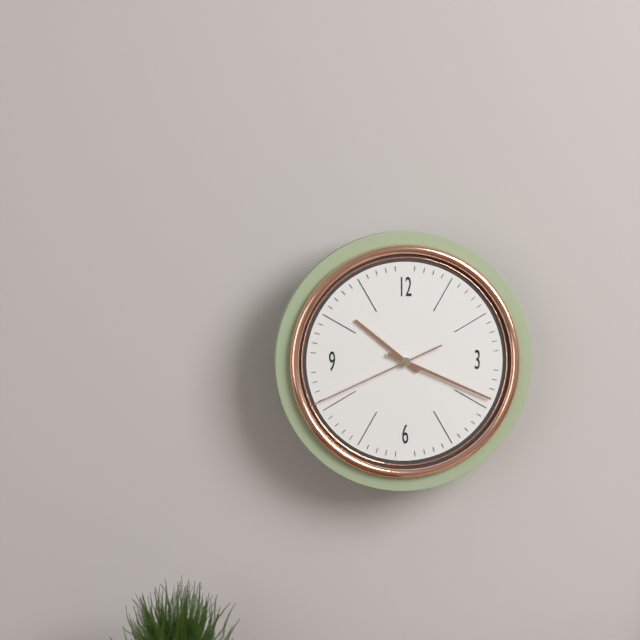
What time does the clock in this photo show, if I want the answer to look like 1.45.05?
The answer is 10.19.41
